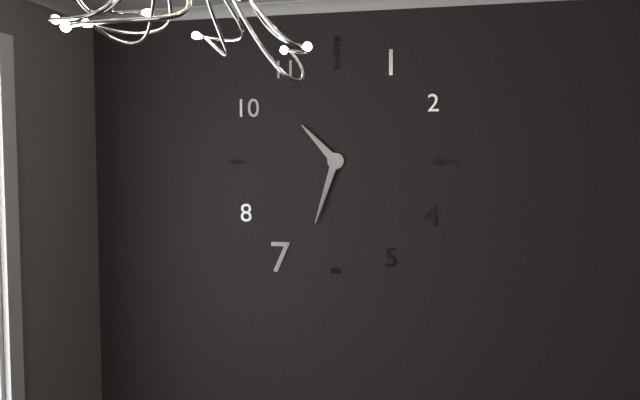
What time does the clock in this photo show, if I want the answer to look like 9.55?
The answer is 10.33
